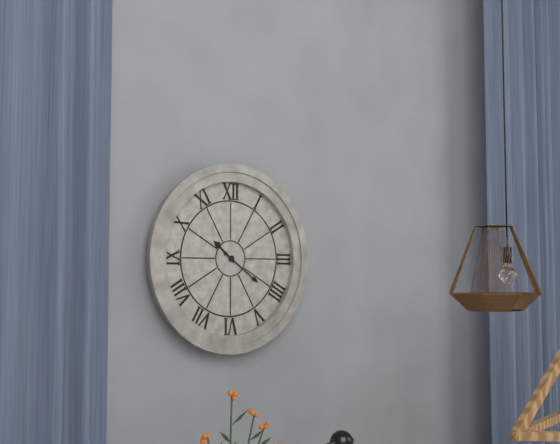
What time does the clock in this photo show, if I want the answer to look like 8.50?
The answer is 10.21
